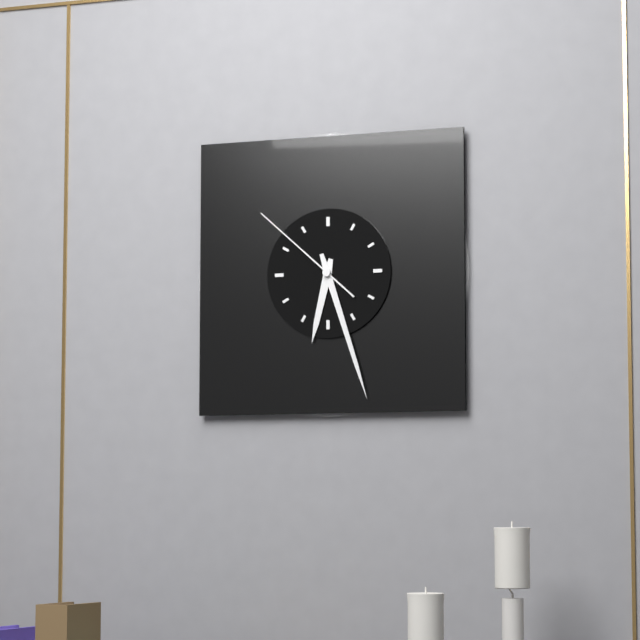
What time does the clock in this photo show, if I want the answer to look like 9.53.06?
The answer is 6.27.52
